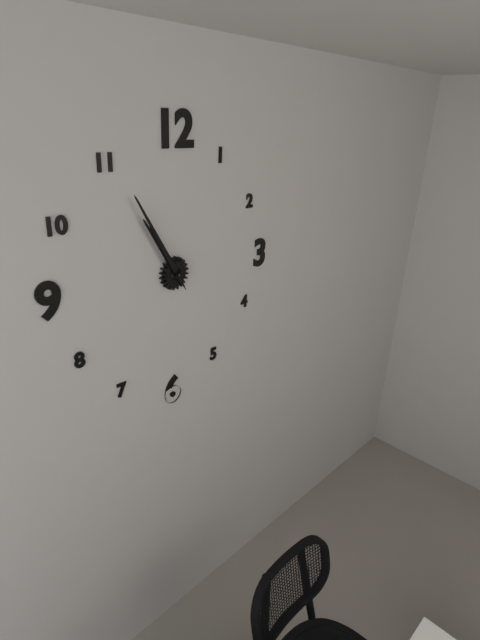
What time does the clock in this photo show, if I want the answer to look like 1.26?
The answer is 10.55
